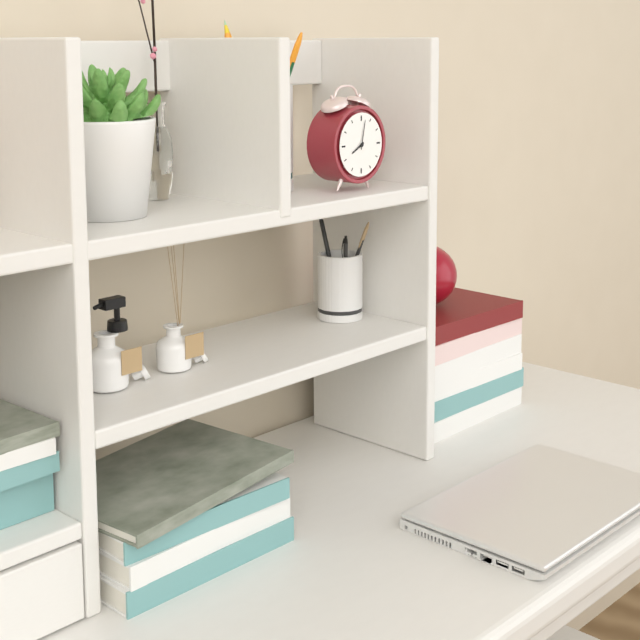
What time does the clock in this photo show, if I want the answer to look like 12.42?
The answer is 8.02
